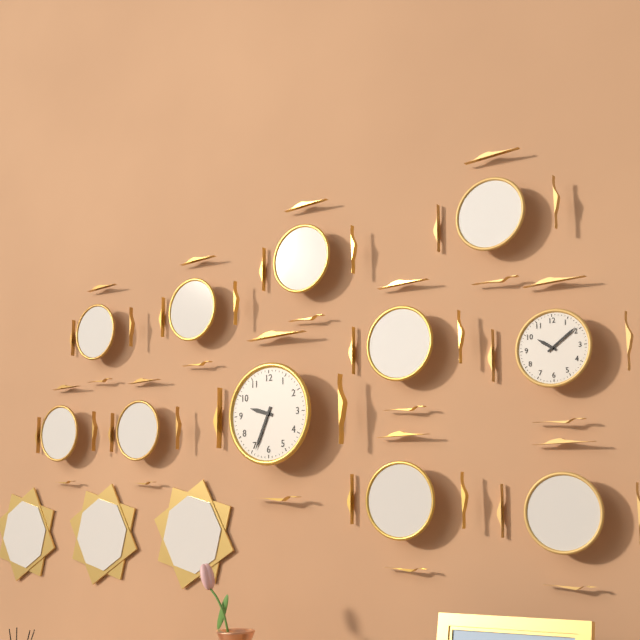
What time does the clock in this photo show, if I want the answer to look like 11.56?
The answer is 9.34
